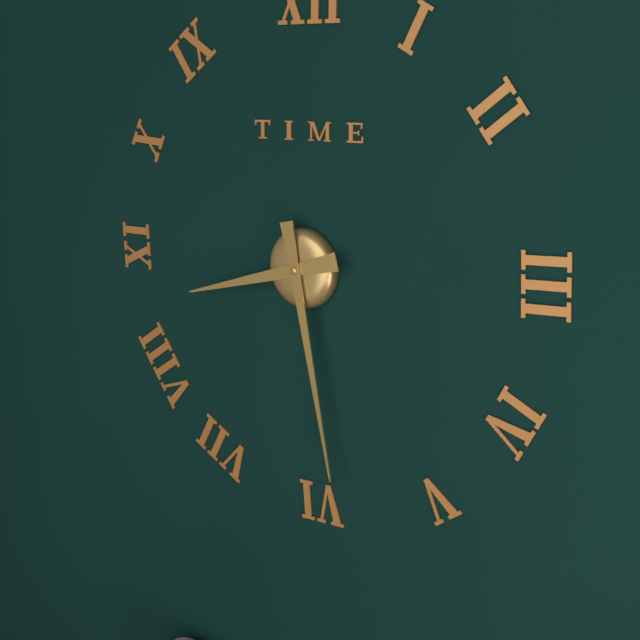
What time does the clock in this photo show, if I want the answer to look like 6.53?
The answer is 8.28
